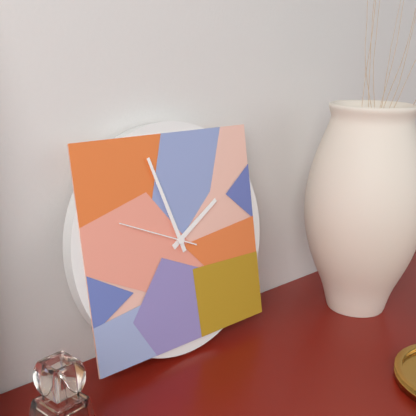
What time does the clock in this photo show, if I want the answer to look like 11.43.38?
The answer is 1.57.49
